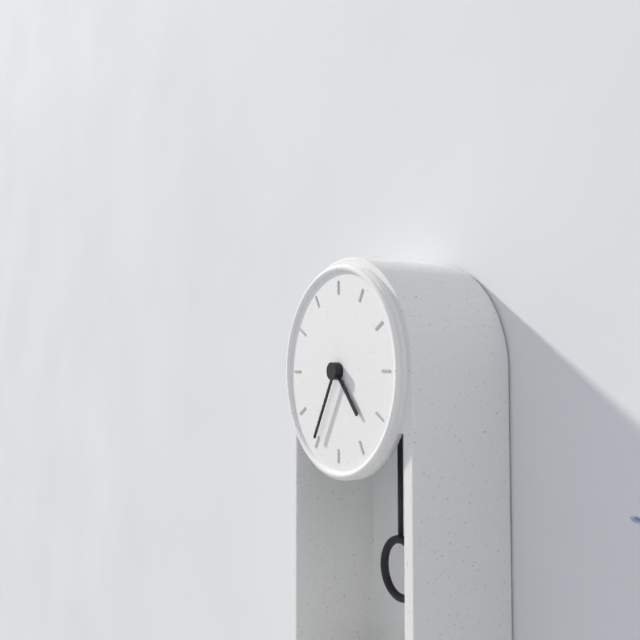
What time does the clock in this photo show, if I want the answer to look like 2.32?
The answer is 4.35
